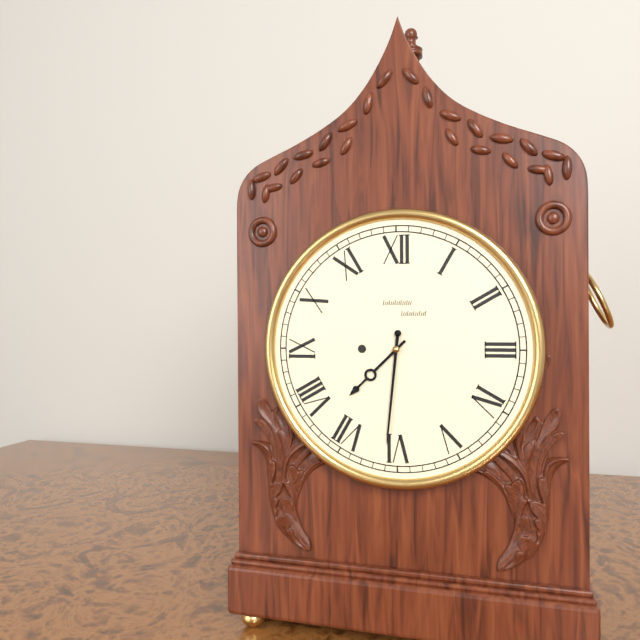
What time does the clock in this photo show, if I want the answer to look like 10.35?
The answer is 7.31
